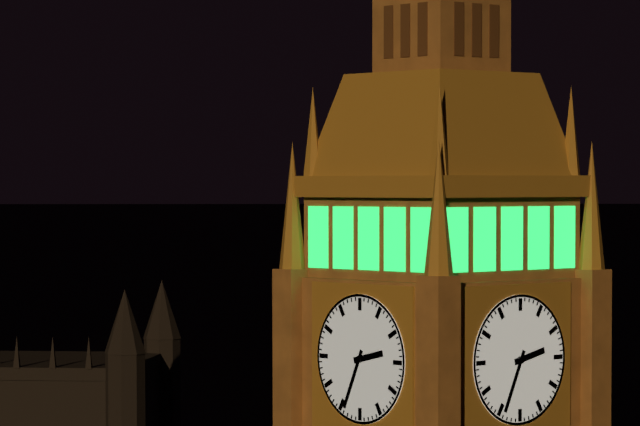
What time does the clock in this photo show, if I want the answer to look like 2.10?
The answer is 2.34
